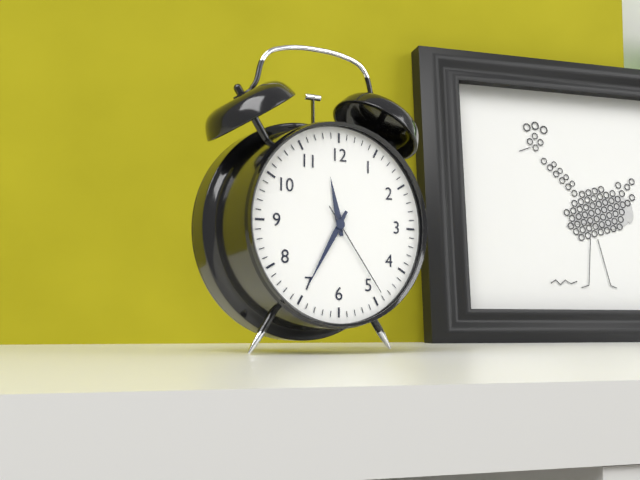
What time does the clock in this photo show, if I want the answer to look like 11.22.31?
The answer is 11.35.24
